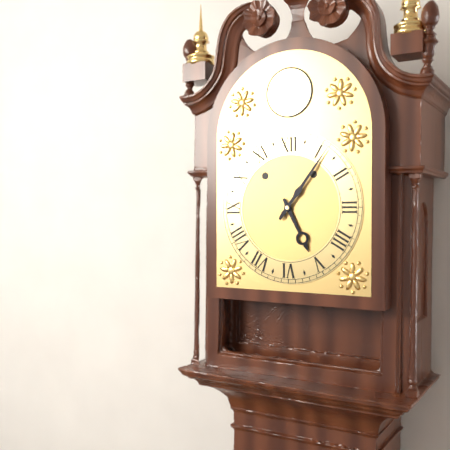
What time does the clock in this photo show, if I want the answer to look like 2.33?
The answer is 5.06
